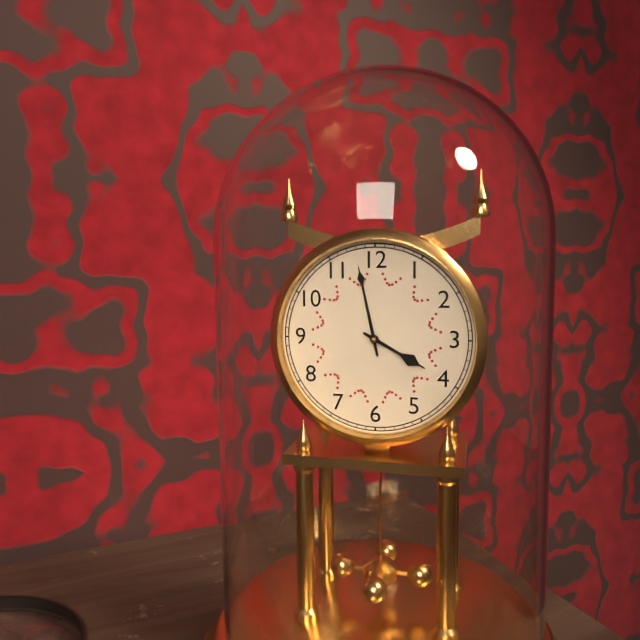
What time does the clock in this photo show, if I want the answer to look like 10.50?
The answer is 3.58
